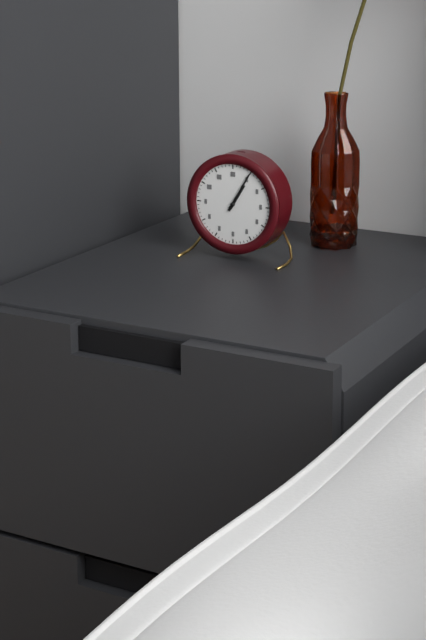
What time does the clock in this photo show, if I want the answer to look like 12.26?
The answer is 1.05
